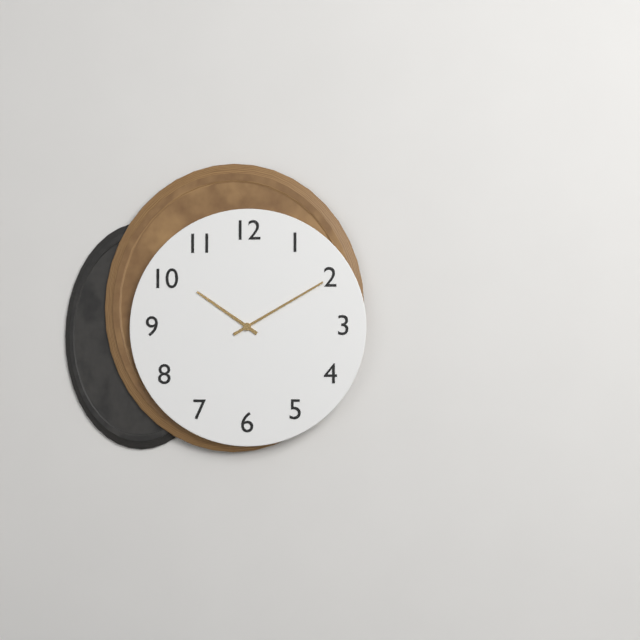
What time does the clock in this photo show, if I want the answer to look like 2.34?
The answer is 10.10
